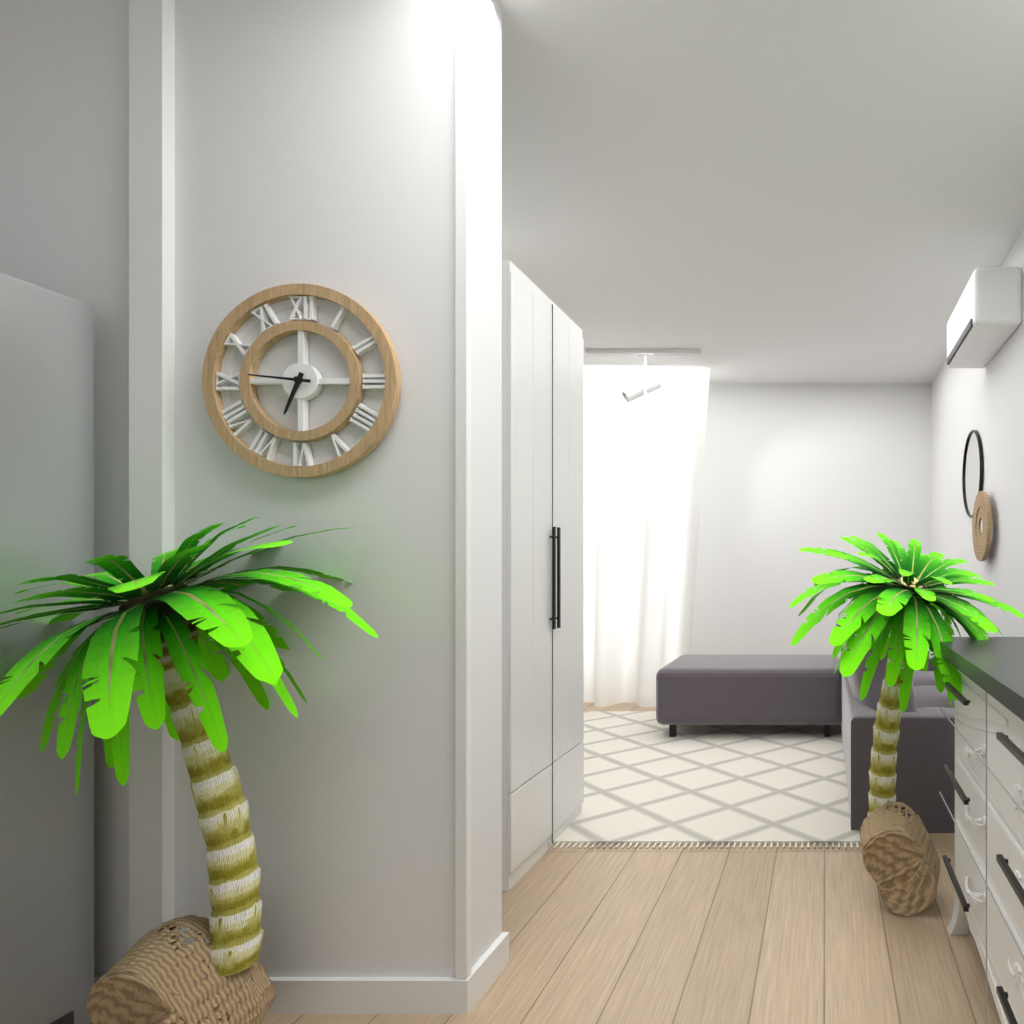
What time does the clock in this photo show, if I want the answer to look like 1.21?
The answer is 6.46
